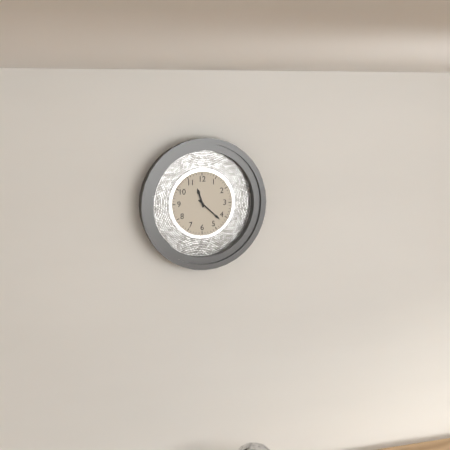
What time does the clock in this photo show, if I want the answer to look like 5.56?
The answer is 11.22
